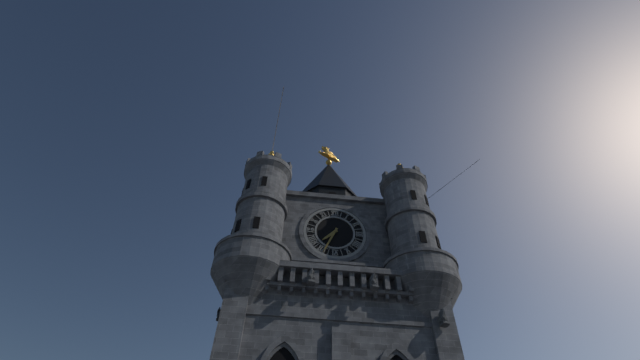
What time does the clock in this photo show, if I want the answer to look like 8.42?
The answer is 7.34
